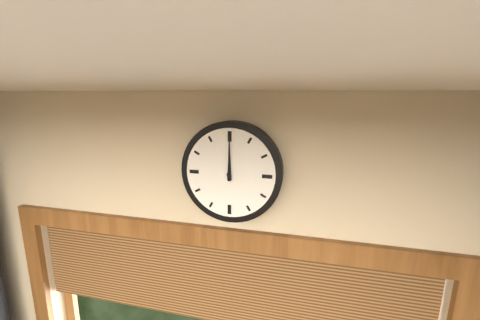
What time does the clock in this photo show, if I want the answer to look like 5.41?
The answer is 12.00
